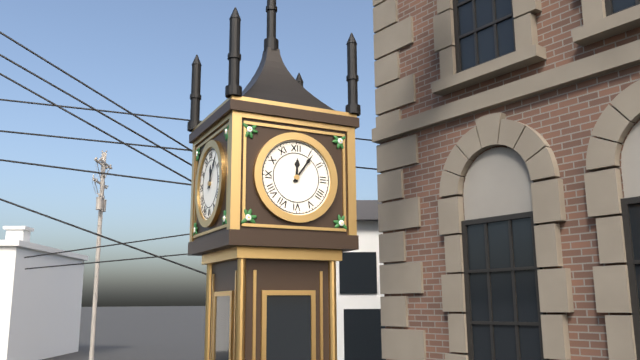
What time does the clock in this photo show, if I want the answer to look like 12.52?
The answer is 12.06
